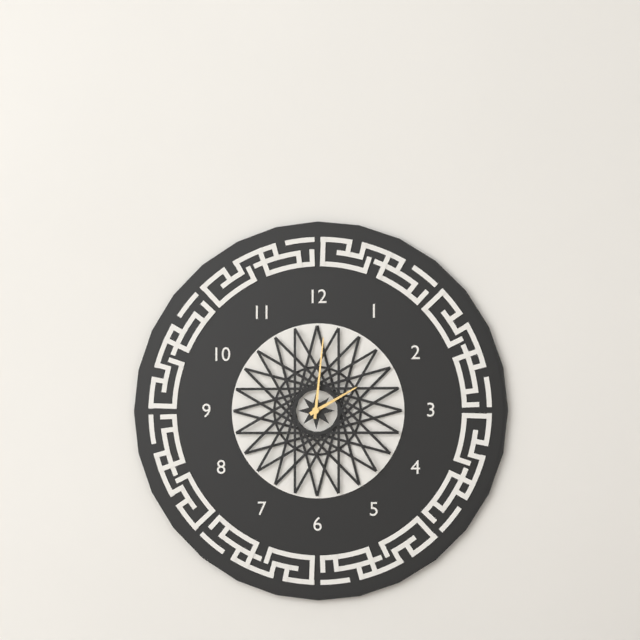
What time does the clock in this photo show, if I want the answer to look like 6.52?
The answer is 2.01
